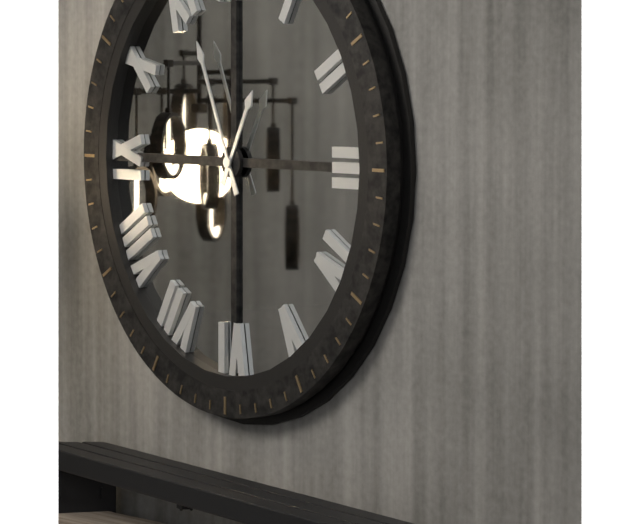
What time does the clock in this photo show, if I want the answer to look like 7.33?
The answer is 12.56
